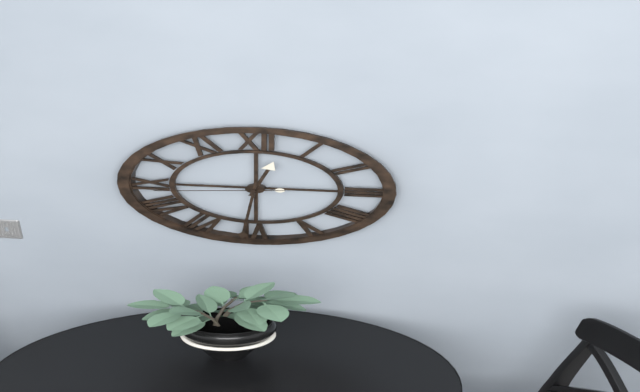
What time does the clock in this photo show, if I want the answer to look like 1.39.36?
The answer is 12.31.44
